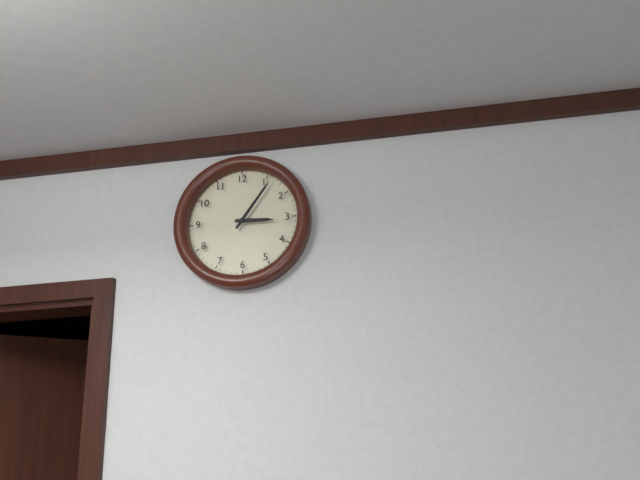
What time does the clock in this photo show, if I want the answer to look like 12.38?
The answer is 3.06
